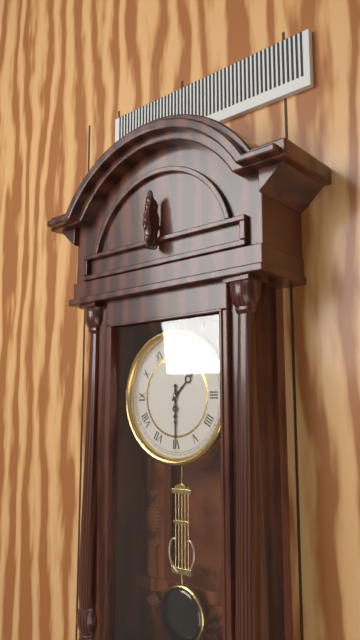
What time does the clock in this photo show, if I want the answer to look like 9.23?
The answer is 1.30
